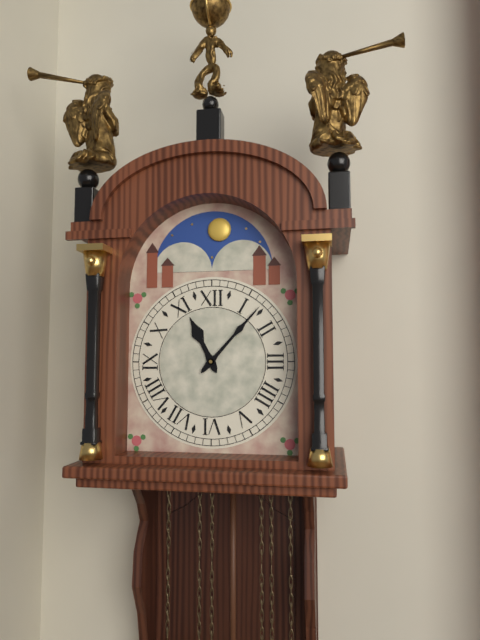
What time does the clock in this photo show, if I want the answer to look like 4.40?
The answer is 11.07
